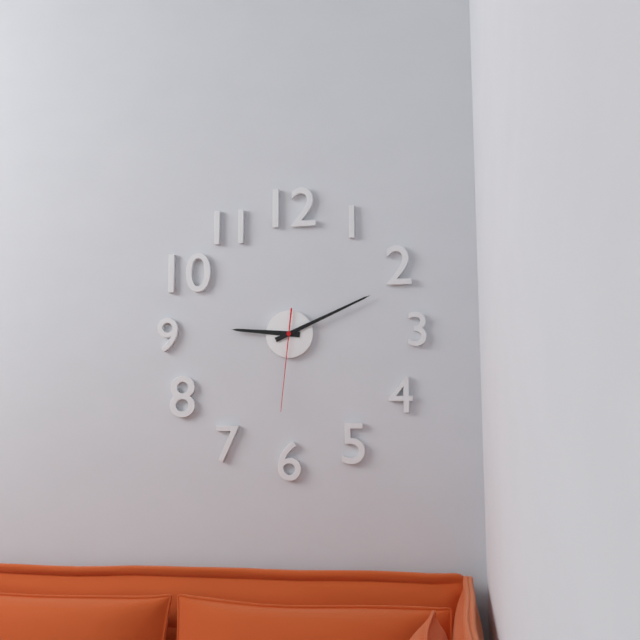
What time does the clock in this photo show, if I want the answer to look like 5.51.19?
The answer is 9.11.31
